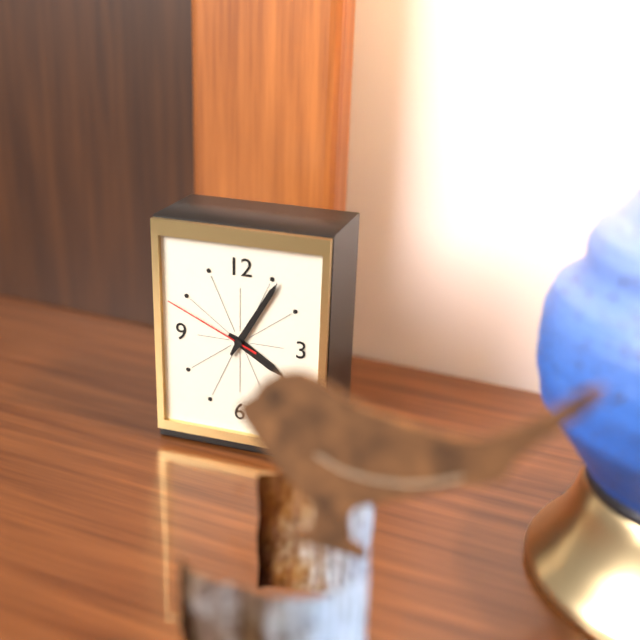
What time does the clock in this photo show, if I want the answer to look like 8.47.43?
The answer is 4.05.49
